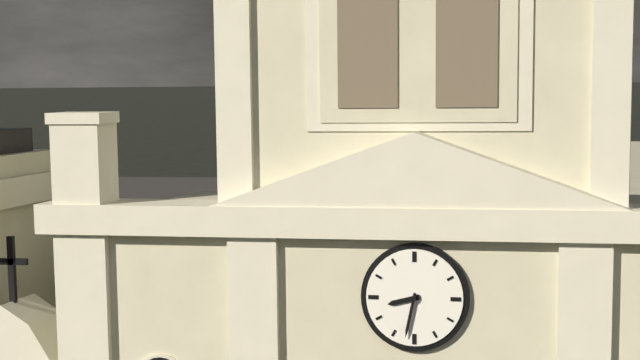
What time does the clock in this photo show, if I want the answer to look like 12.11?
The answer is 8.32
